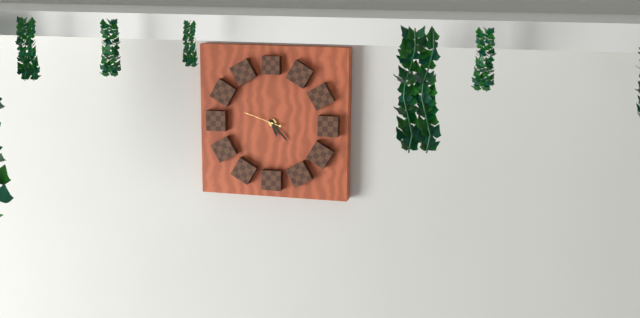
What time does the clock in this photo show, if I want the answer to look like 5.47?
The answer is 5.23
